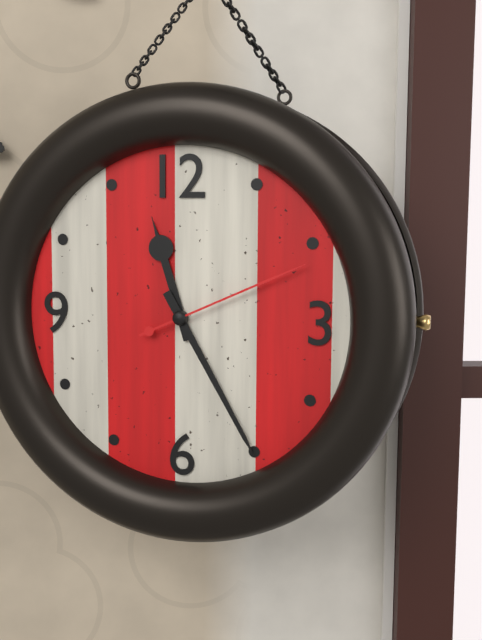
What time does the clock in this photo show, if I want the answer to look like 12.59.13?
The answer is 11.25.11
